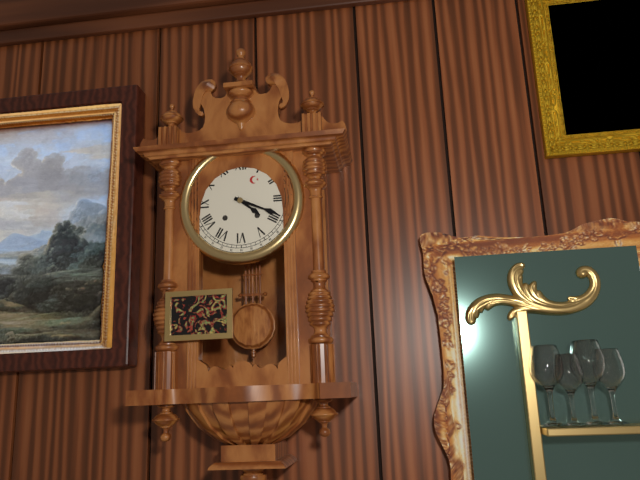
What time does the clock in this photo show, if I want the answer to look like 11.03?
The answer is 4.19
